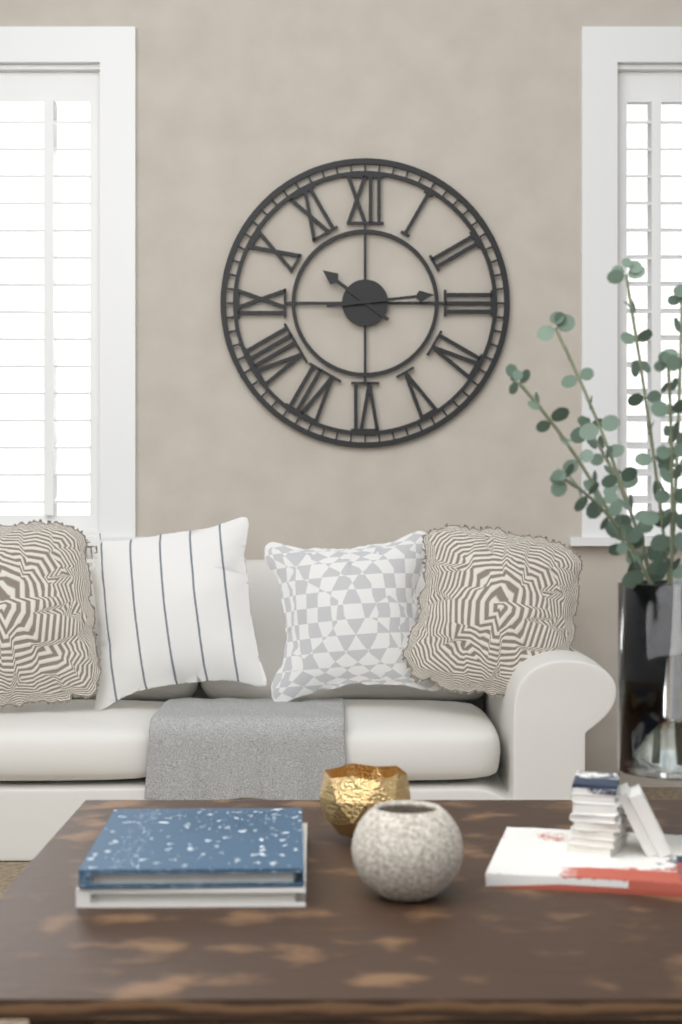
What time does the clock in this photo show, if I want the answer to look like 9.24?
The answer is 10.14
